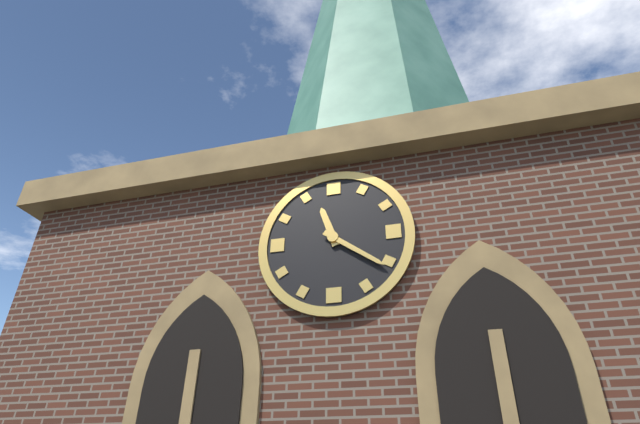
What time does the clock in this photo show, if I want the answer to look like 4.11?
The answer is 11.21
